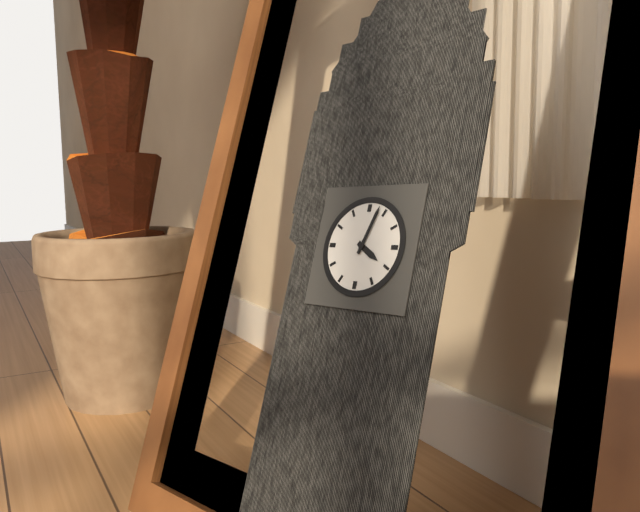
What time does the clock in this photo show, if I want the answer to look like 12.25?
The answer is 4.03
